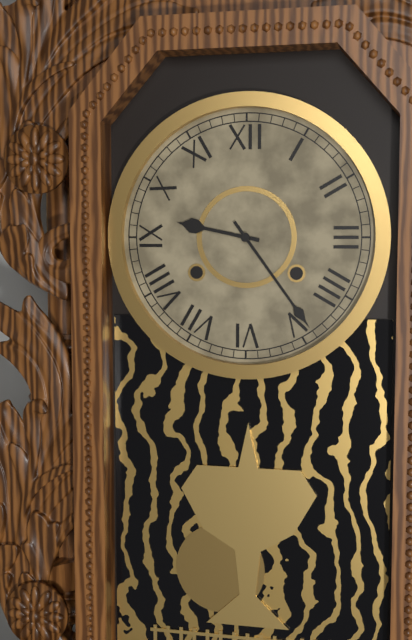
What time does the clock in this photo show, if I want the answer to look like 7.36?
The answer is 9.24
